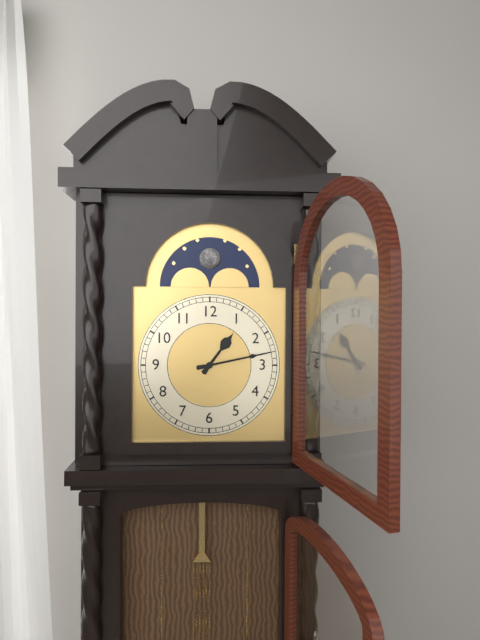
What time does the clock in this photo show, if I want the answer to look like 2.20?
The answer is 1.13
